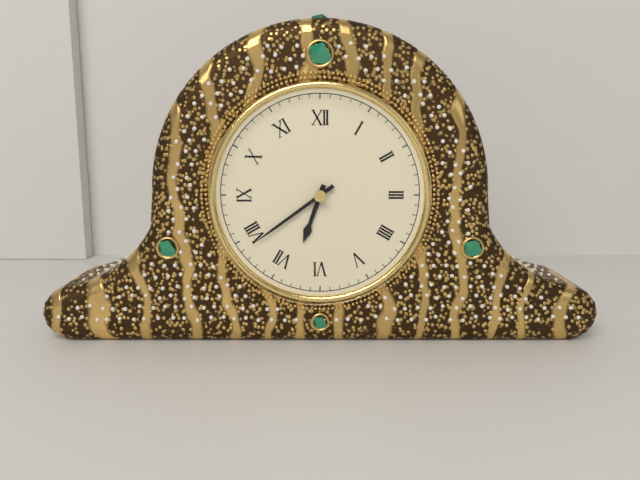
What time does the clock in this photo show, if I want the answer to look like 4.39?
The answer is 6.39
